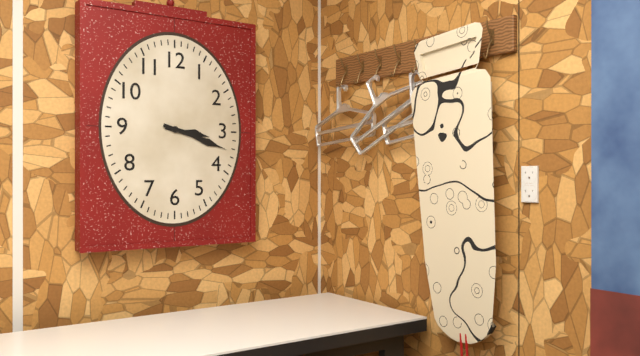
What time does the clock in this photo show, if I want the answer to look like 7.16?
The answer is 3.18
